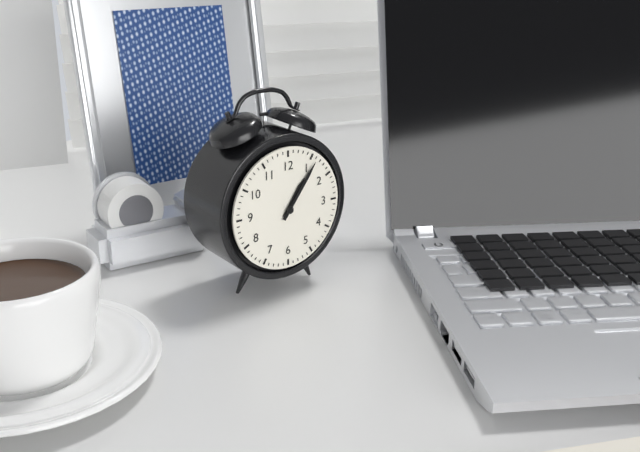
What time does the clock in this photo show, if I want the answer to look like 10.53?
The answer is 1.06
